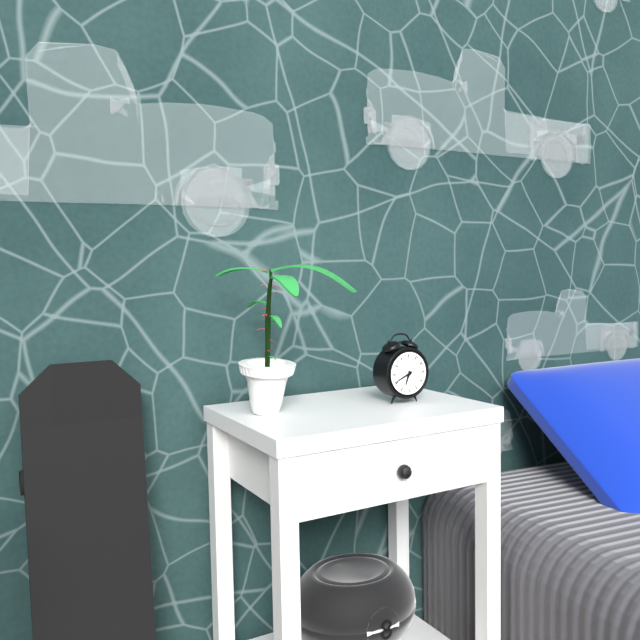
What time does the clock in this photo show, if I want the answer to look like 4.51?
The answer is 6.41
